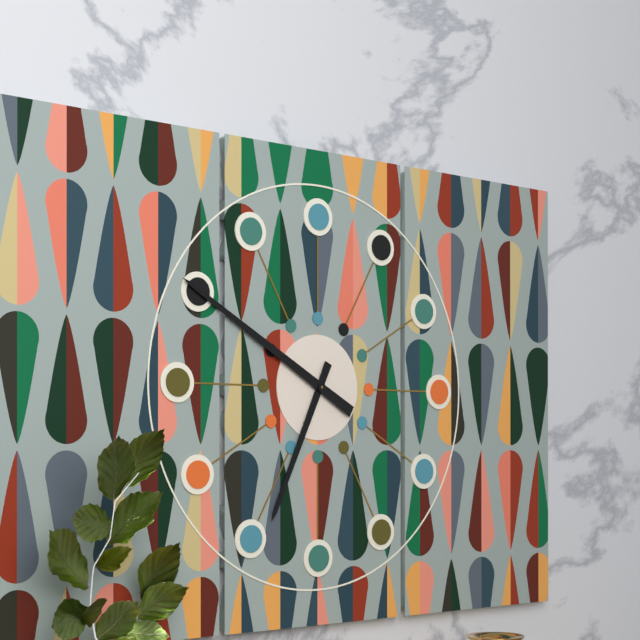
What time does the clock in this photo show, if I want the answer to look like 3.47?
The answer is 6.50
